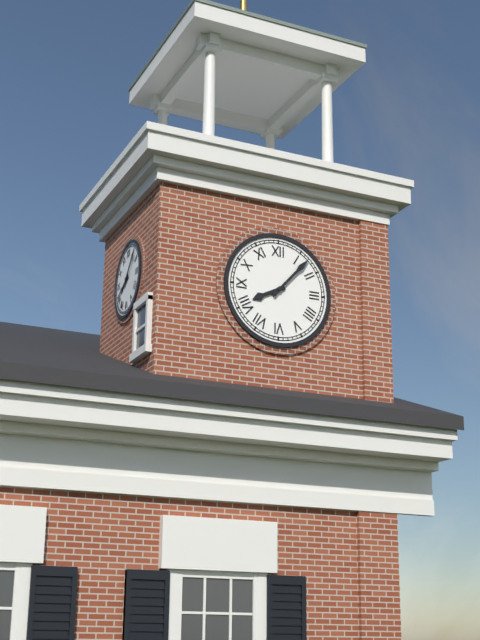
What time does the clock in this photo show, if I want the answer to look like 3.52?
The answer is 8.07
